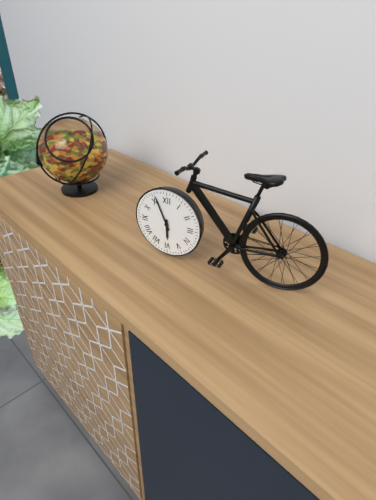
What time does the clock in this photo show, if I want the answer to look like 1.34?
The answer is 5.56
